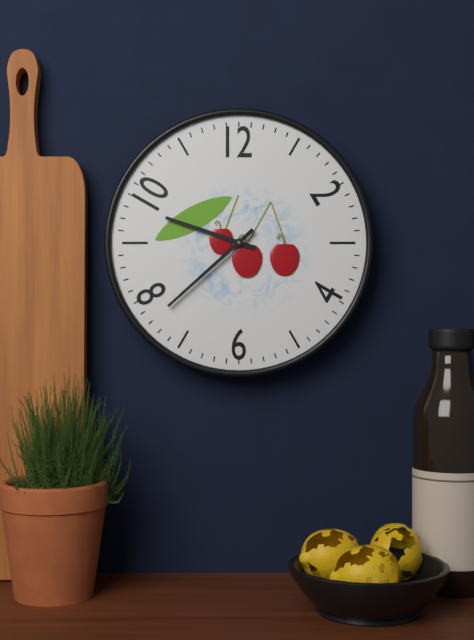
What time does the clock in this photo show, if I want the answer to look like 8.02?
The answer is 9.38
